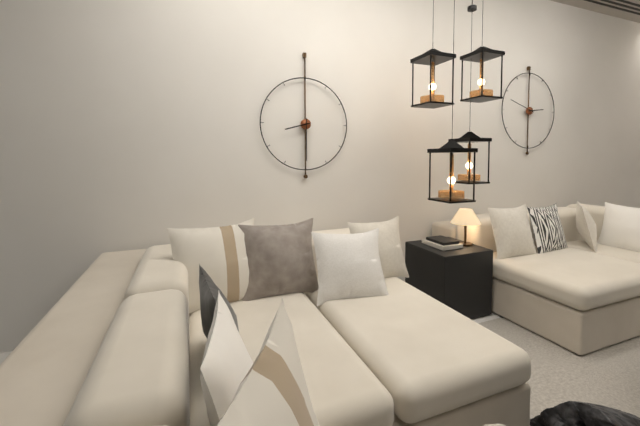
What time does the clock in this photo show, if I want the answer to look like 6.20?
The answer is 8.30
